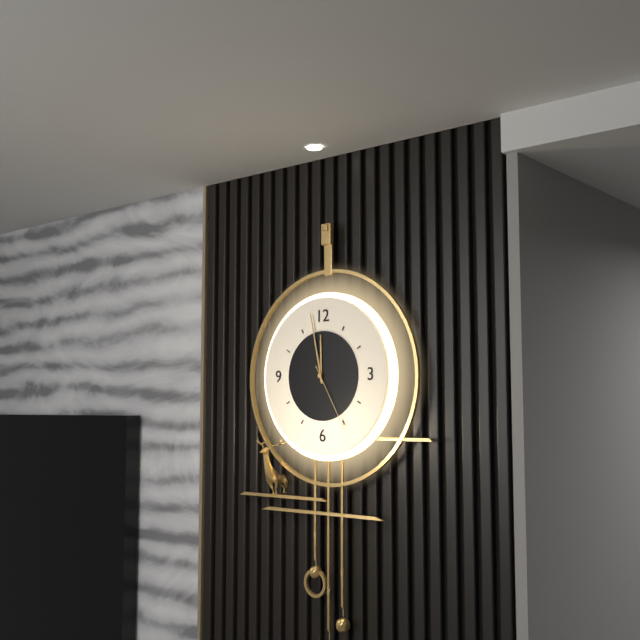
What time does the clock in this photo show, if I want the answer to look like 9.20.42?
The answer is 11.58.25
